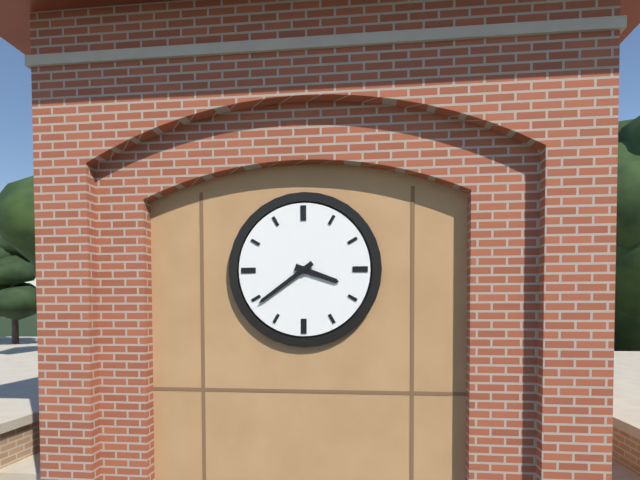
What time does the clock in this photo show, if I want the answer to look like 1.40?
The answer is 3.39
